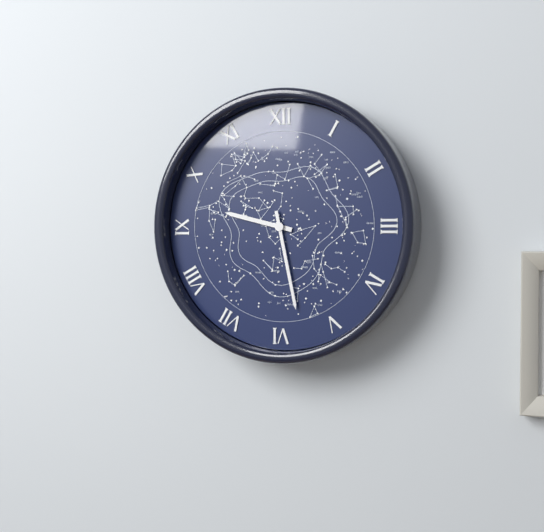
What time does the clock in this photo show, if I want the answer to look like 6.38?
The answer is 9.28
